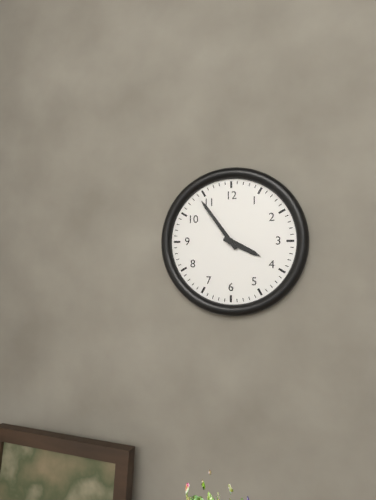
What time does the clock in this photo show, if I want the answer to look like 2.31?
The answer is 3.54
